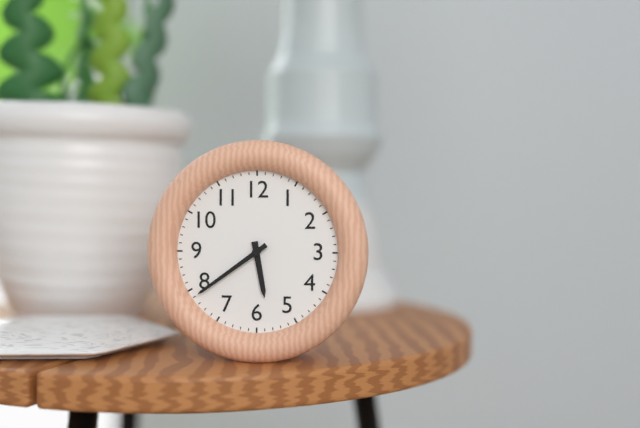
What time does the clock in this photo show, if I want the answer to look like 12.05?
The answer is 5.39
